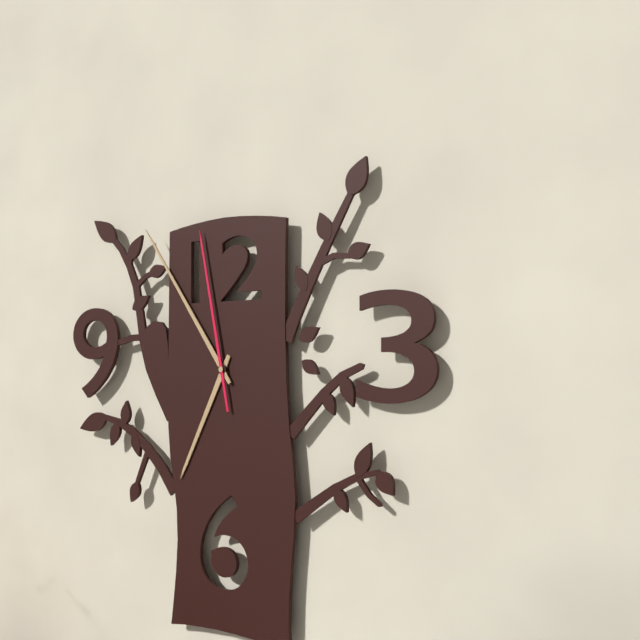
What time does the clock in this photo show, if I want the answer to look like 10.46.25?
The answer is 6.54.58
